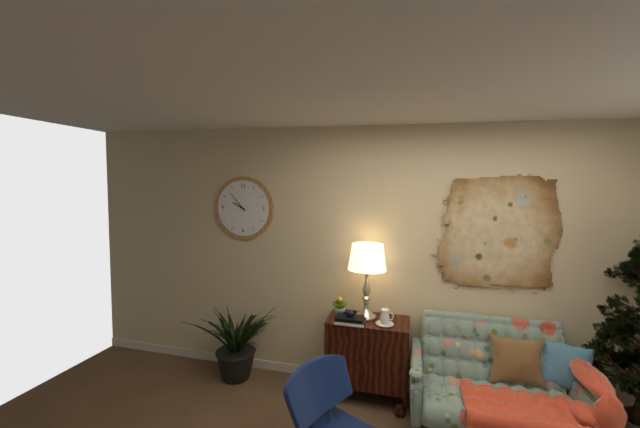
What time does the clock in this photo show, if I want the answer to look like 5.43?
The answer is 9.53
